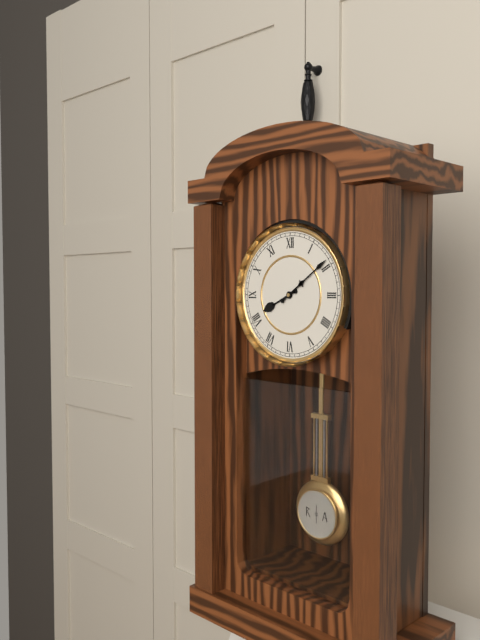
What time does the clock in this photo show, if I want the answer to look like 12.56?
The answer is 8.09
